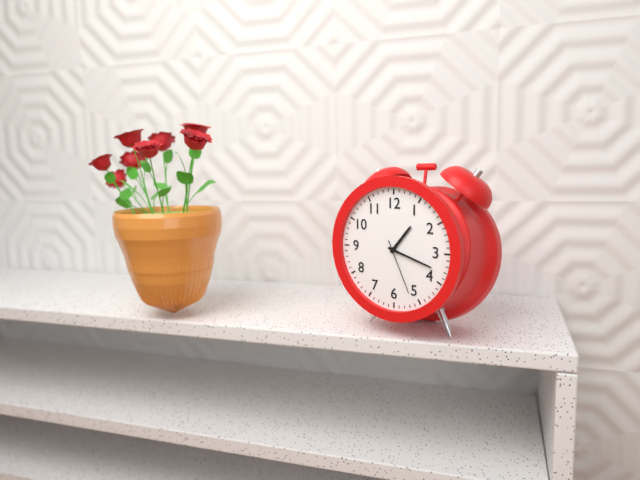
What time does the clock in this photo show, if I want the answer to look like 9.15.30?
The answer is 1.18.26
